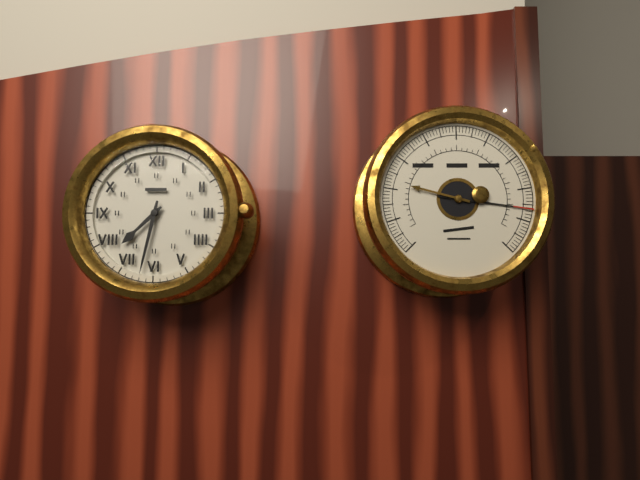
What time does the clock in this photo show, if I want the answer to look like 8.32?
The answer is 7.32
